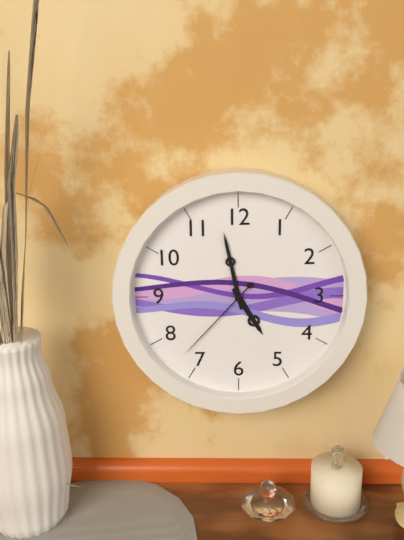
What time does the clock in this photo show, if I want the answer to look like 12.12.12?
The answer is 4.58.37
